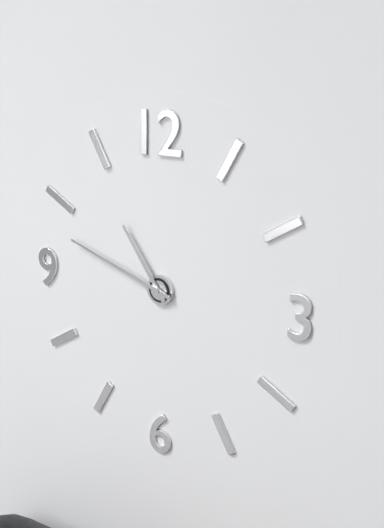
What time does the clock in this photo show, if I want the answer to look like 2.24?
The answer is 10.48
